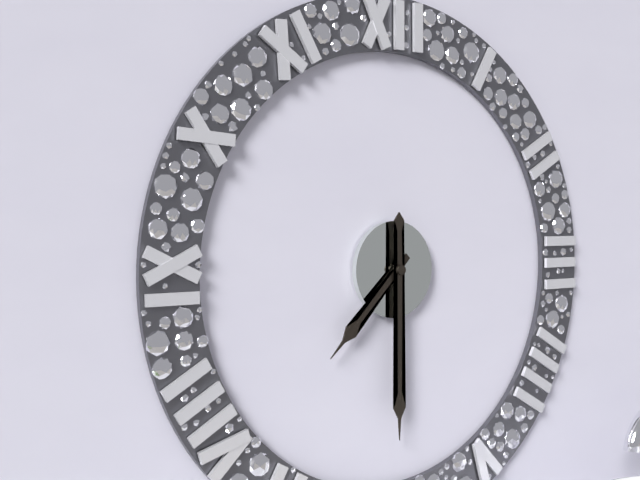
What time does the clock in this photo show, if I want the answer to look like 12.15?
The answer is 7.30
